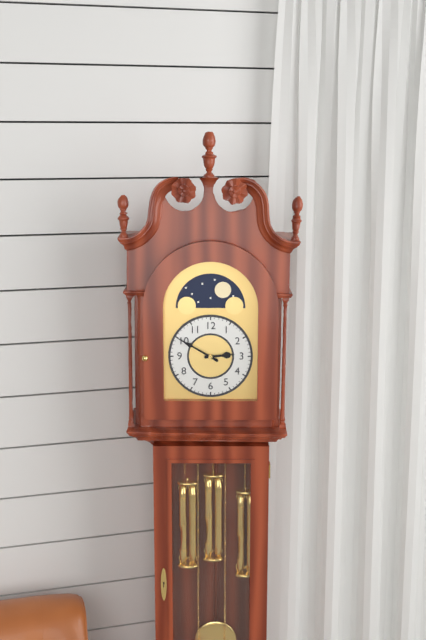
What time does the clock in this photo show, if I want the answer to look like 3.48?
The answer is 2.50
